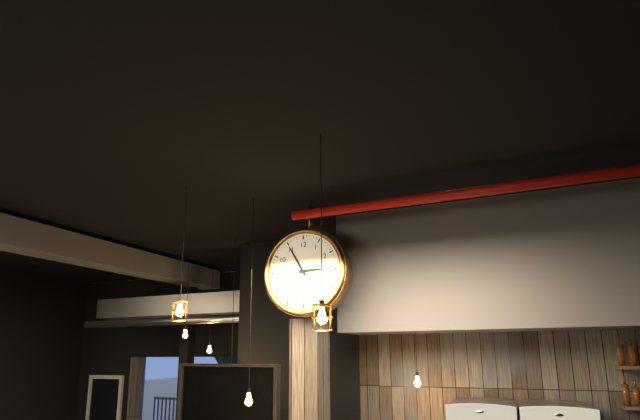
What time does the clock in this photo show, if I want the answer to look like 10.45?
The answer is 2.55
